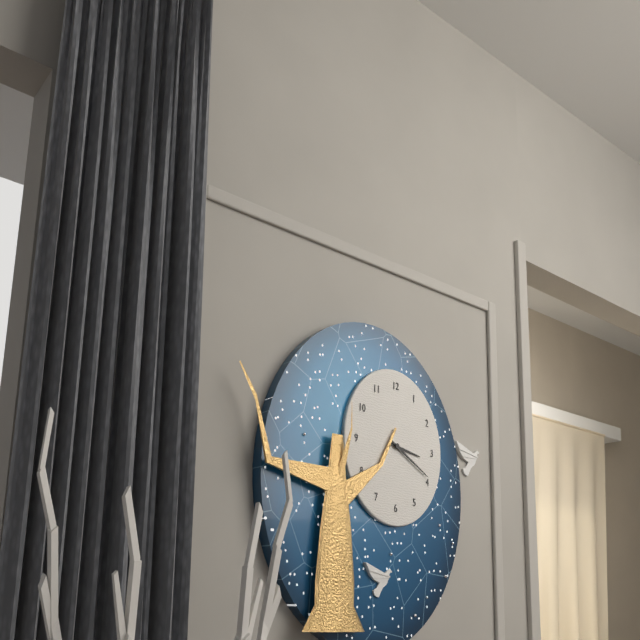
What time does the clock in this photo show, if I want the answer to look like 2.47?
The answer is 3.20
